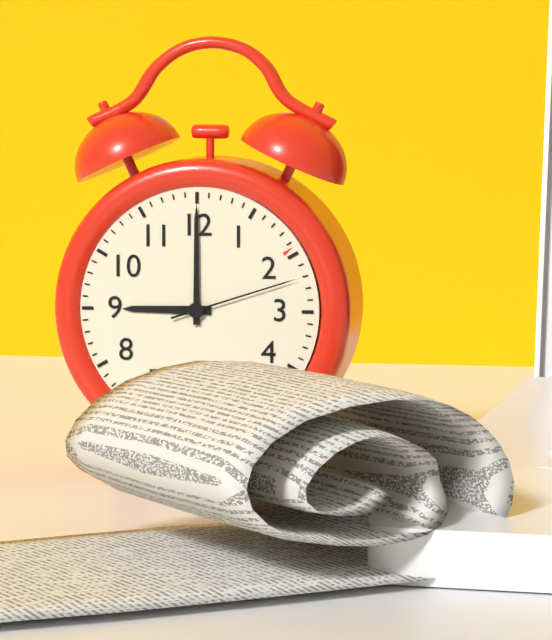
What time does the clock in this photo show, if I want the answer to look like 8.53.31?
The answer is 9.00.12
